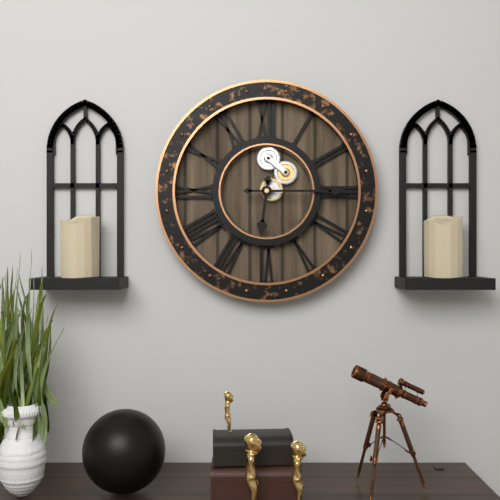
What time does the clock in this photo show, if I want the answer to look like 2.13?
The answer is 6.15
